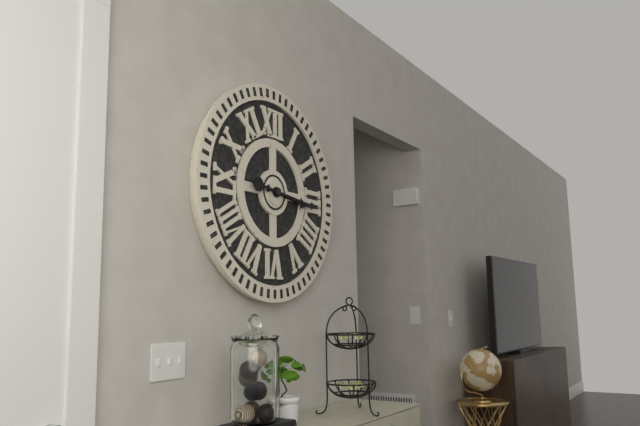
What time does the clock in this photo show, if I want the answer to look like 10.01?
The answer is 3.16
